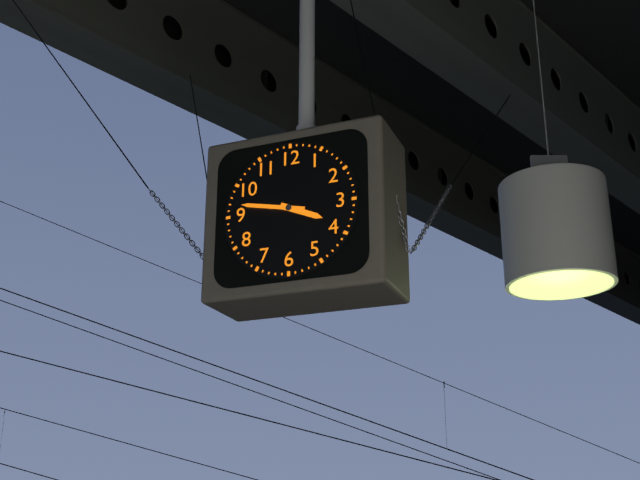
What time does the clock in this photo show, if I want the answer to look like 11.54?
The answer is 3.47
